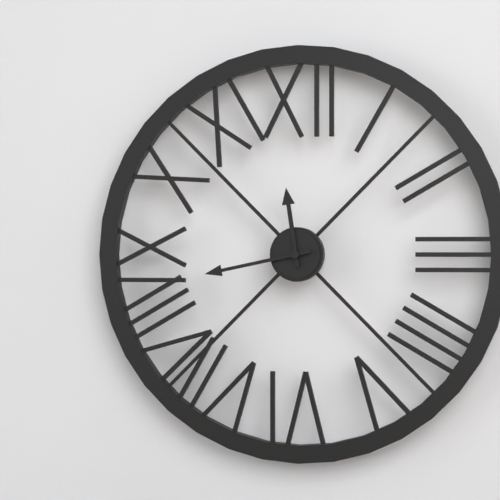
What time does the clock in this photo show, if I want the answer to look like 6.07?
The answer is 11.43
